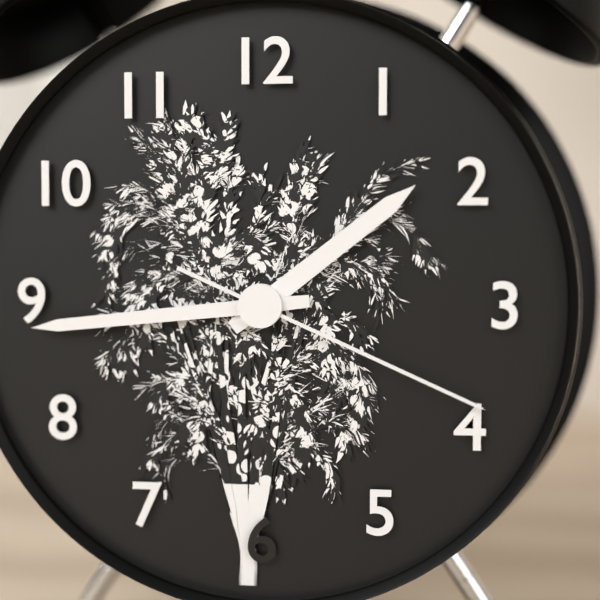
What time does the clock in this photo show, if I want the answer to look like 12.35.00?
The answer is 1.44.19
